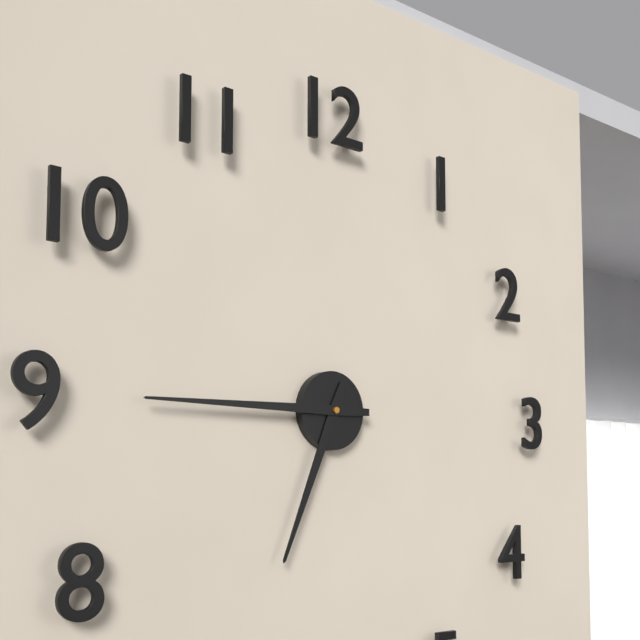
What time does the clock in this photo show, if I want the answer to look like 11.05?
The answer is 6.45
